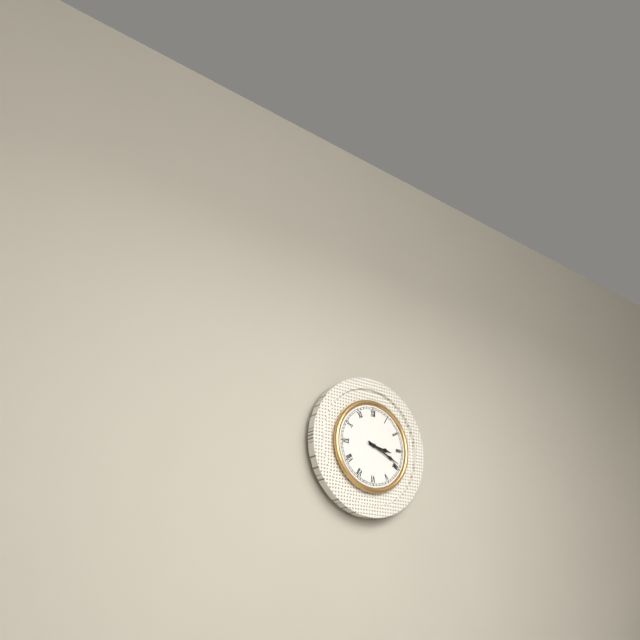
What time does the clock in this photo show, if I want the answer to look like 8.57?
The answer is 3.19
